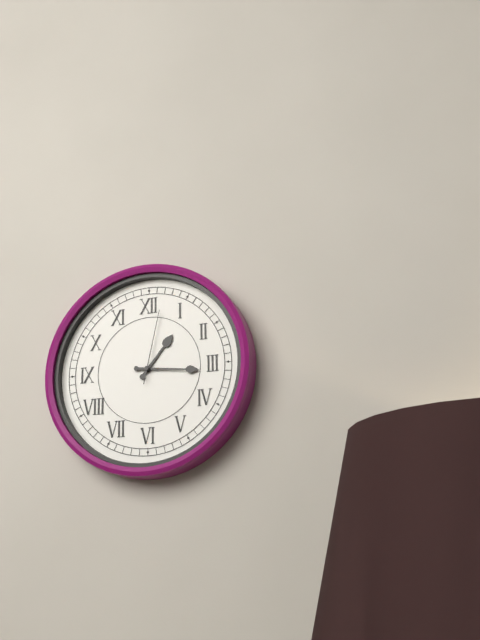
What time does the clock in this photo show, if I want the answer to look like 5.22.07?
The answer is 1.16.02
